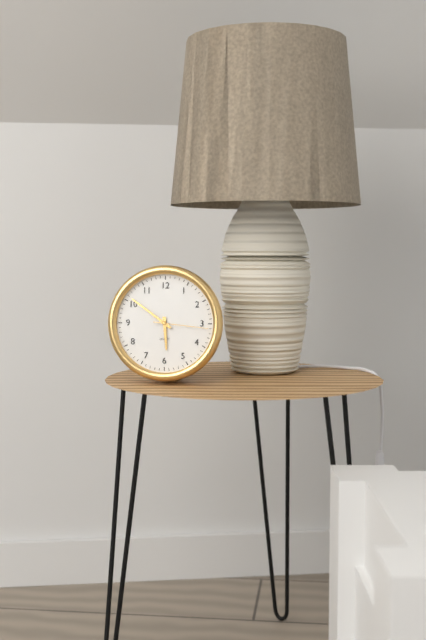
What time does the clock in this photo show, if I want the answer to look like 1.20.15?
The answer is 5.51.16
